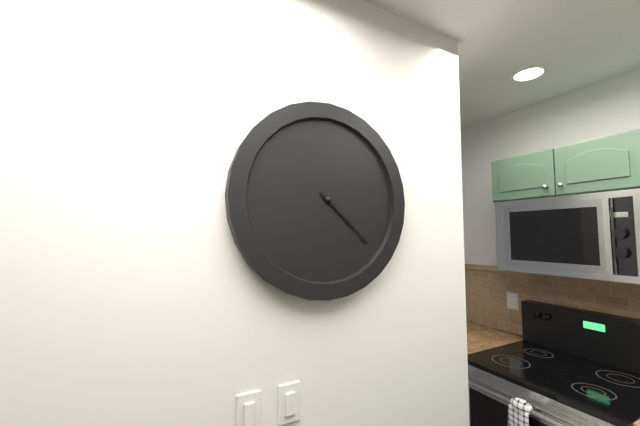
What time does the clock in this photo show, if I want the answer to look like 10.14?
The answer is 4.22
